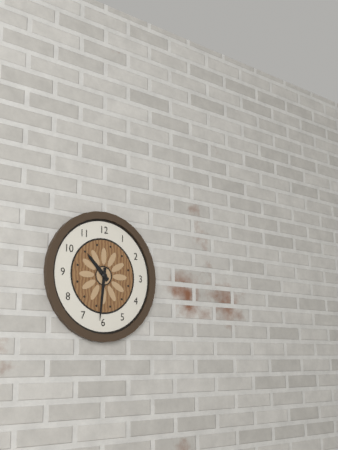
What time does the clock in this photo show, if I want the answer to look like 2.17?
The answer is 10.31
